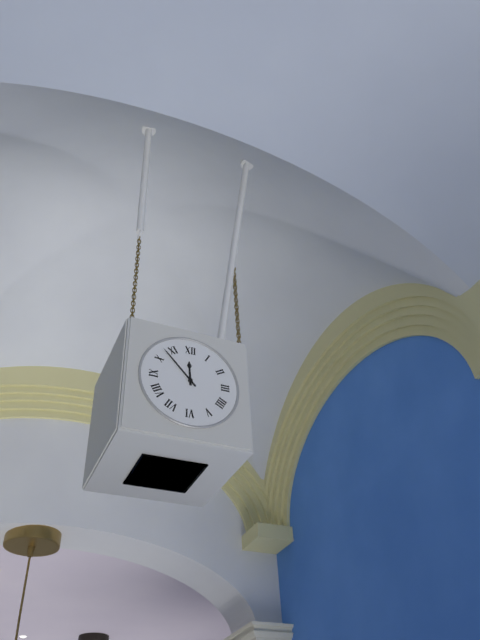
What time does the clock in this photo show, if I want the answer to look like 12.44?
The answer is 11.53
